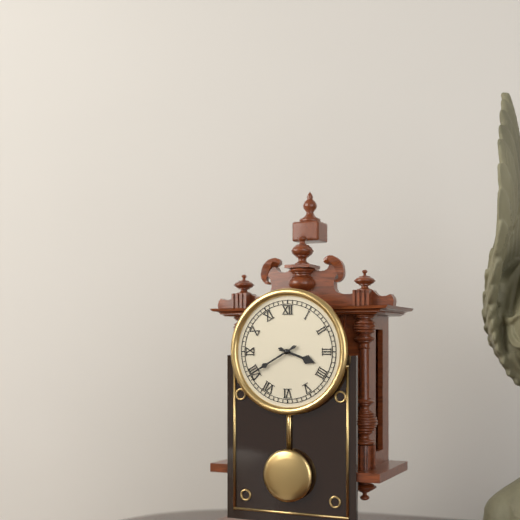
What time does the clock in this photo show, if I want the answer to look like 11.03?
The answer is 3.40
